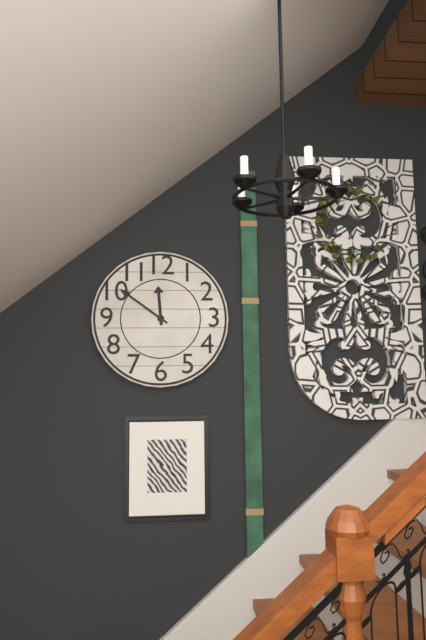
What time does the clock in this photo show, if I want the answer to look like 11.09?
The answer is 11.51
